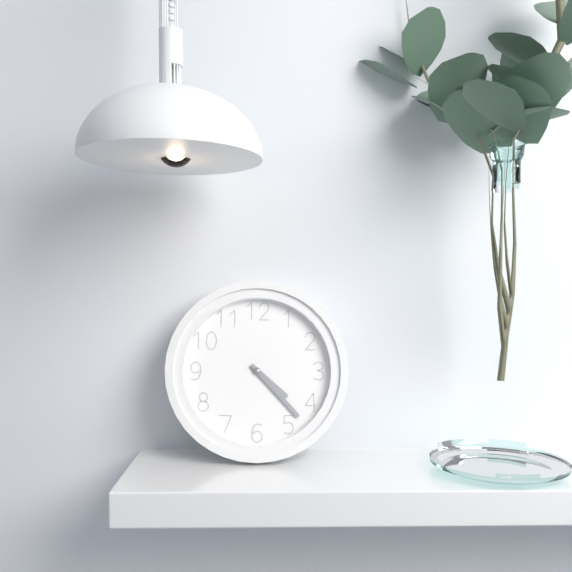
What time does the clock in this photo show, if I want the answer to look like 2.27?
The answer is 4.23
